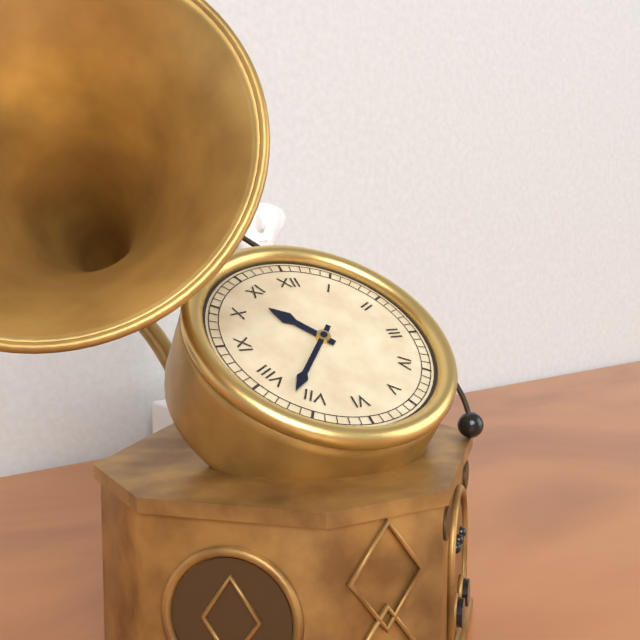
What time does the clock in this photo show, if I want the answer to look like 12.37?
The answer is 10.37
